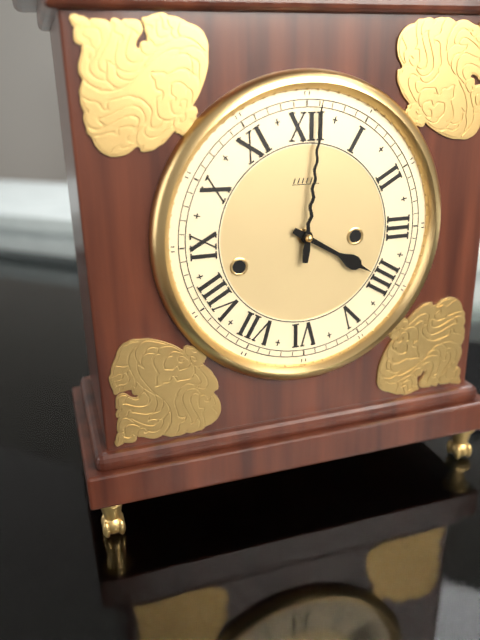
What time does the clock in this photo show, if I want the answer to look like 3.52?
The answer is 4.01
